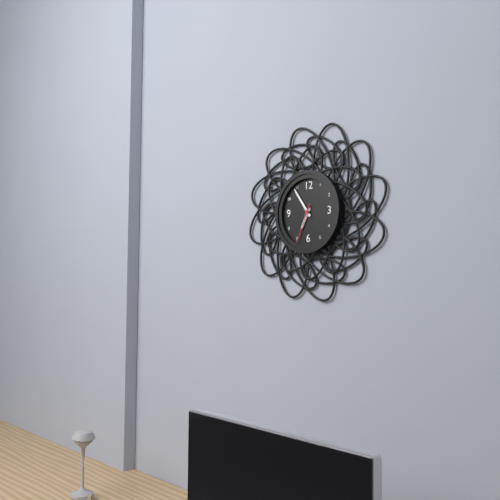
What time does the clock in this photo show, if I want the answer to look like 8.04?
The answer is 6.54
